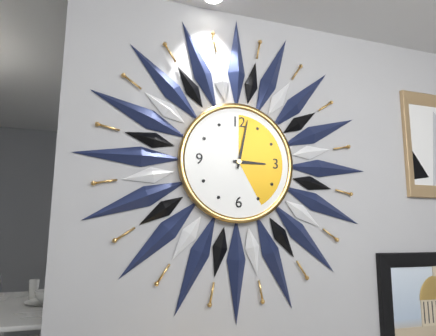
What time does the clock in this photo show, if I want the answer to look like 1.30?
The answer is 3.02
